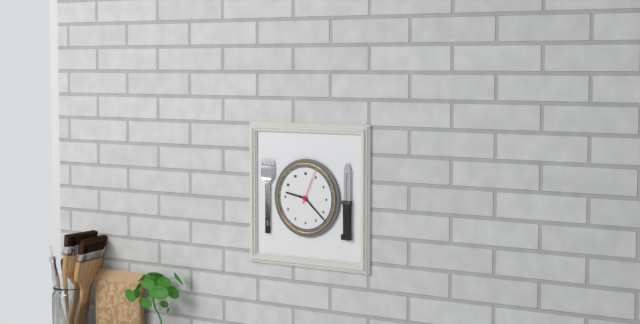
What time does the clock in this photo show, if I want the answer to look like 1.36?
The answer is 9.22
